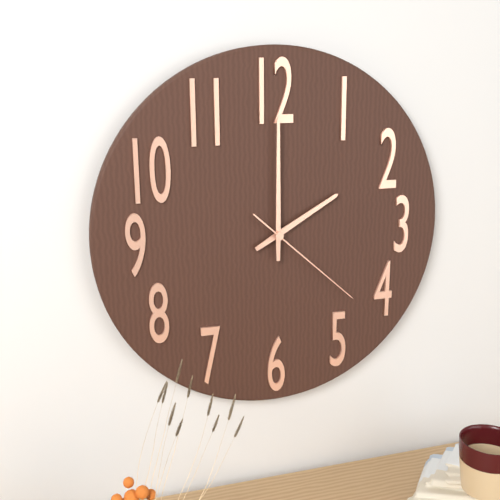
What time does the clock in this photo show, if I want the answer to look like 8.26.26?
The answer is 2.00.22
